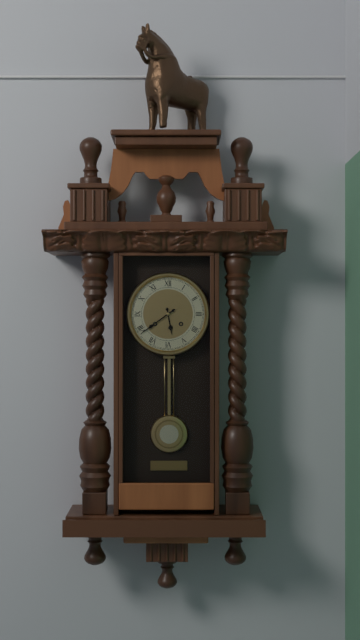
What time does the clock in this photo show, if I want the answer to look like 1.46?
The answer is 5.39
